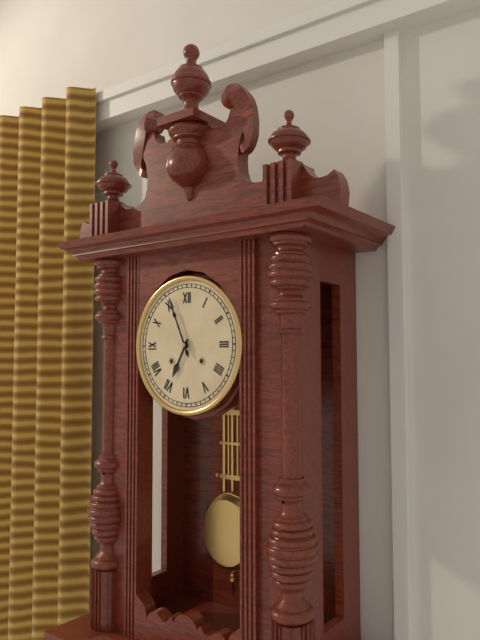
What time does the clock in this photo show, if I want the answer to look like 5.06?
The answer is 6.56
